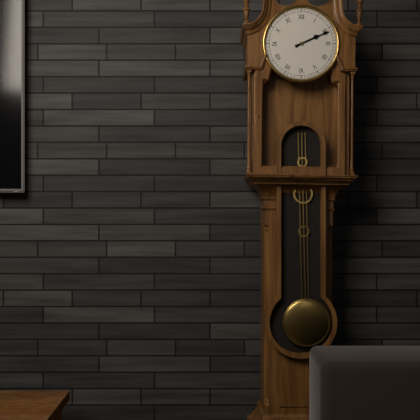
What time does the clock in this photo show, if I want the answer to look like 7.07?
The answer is 2.11
